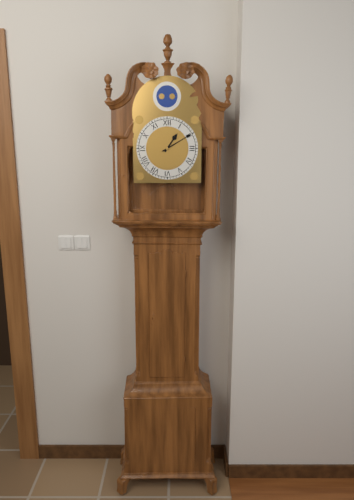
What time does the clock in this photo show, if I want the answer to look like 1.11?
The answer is 1.10
